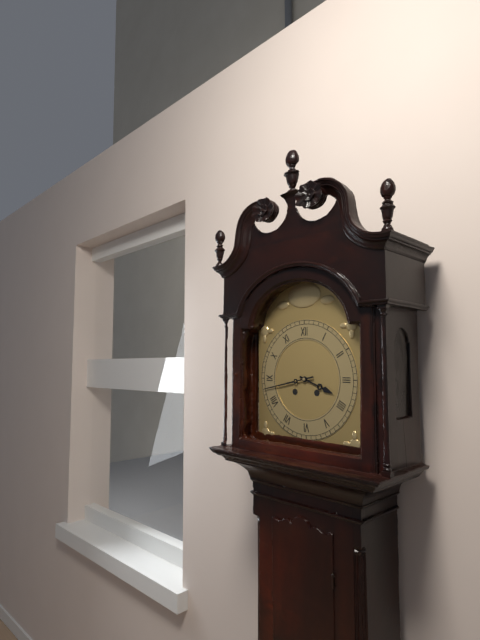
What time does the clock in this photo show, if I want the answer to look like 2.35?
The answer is 3.43
